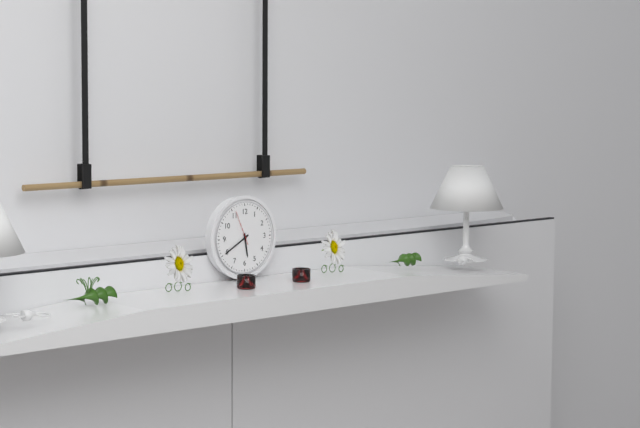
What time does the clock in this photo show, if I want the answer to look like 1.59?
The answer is 5.40
